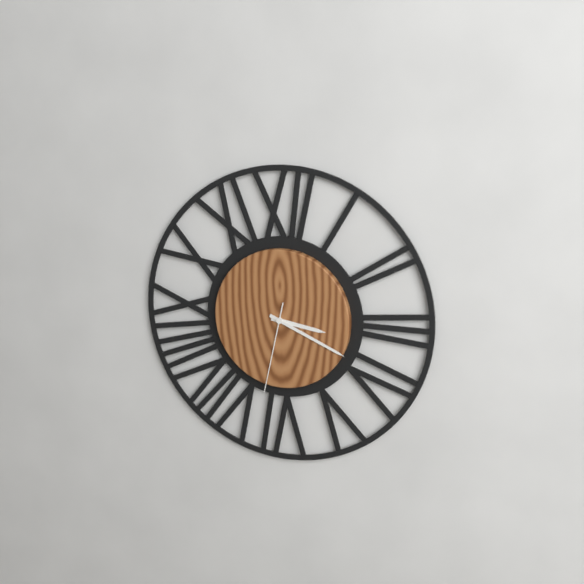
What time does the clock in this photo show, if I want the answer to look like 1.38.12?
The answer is 3.19.32
